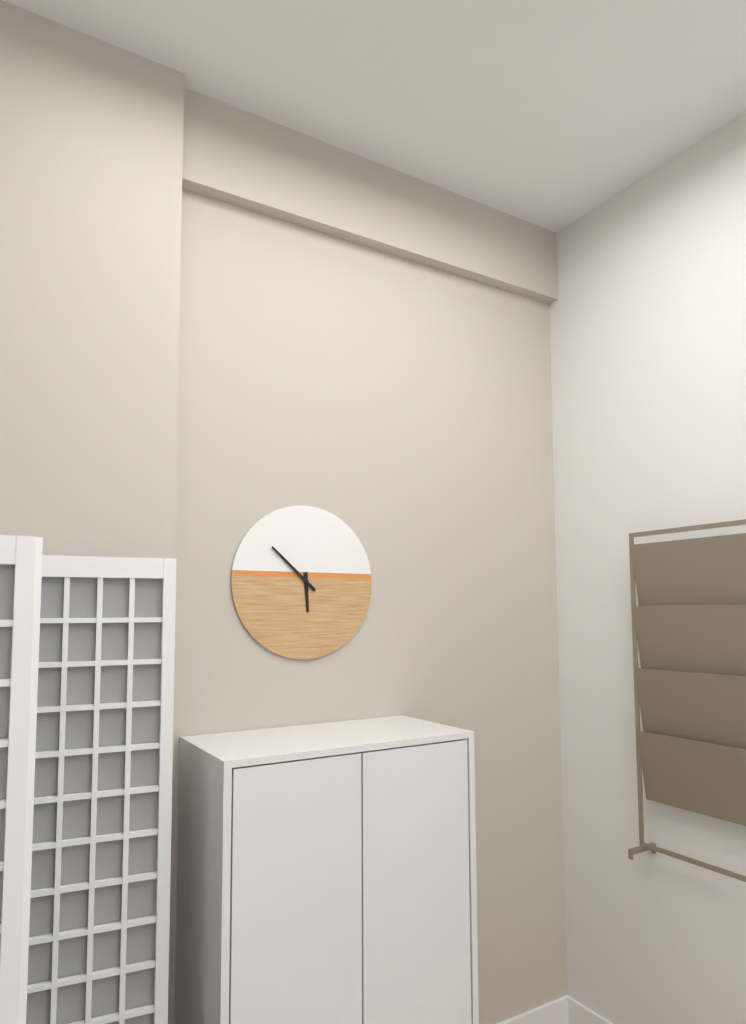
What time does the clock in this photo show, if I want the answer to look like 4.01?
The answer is 5.52
